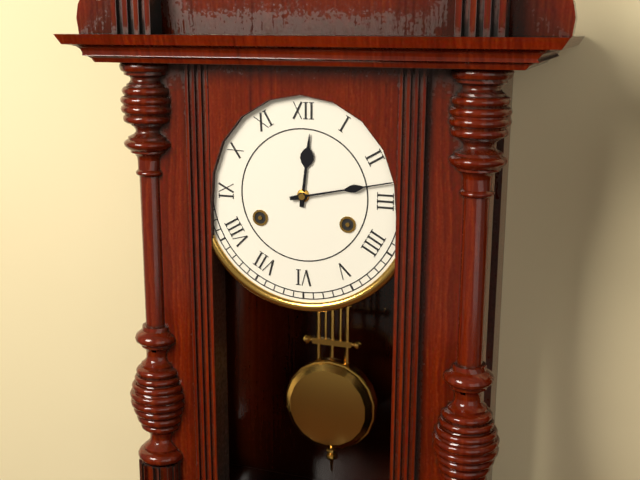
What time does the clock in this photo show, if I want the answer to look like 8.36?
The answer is 12.13
